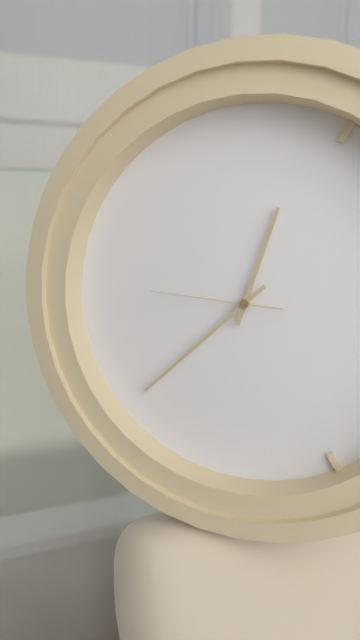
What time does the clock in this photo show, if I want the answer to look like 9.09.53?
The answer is 12.38.46
